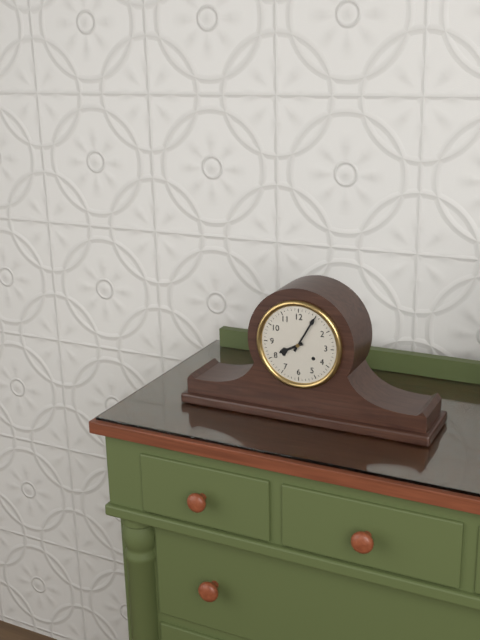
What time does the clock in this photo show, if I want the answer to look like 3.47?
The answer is 8.05
